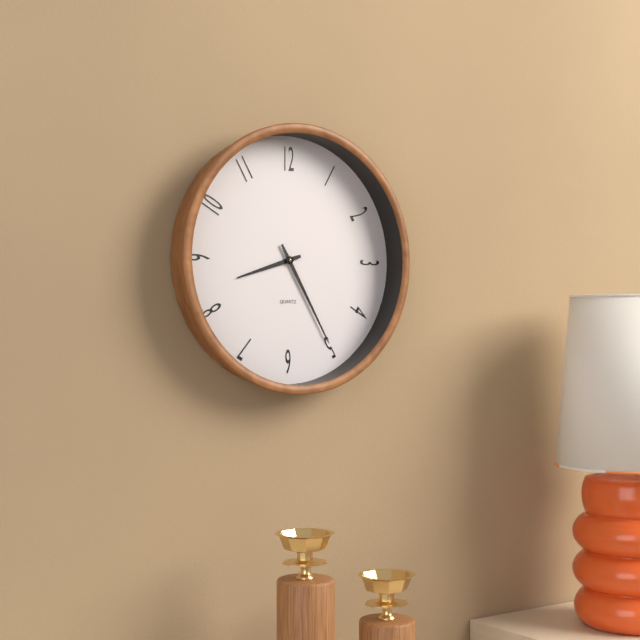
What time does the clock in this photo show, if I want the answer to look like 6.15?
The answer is 8.25
